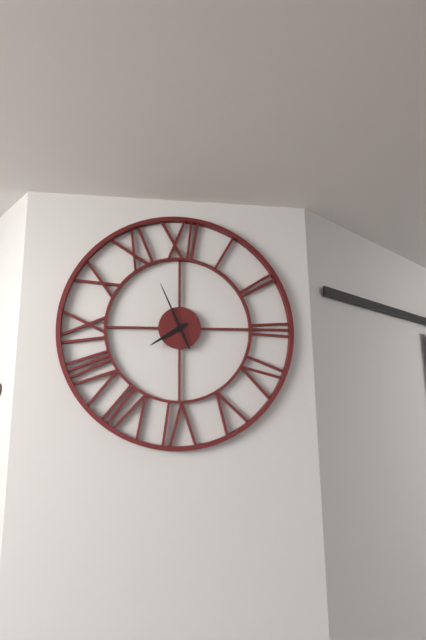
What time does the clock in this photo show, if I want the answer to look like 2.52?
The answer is 7.56
